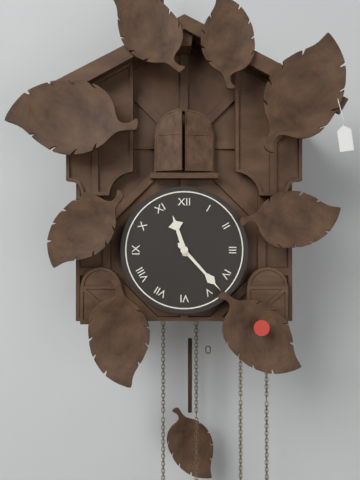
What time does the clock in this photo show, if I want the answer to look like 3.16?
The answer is 11.23
